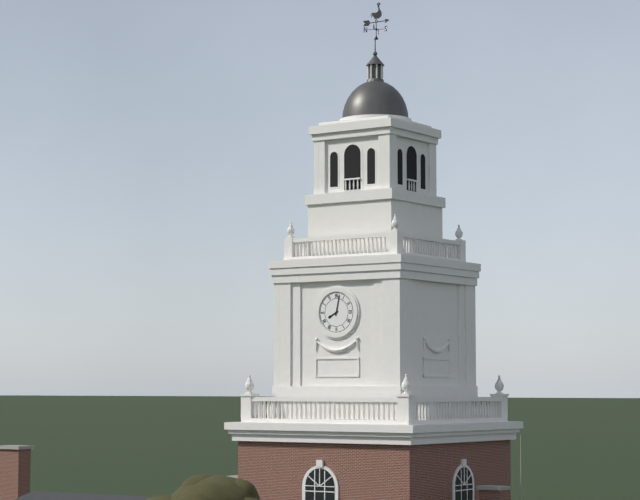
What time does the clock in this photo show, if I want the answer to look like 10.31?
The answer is 8.02
